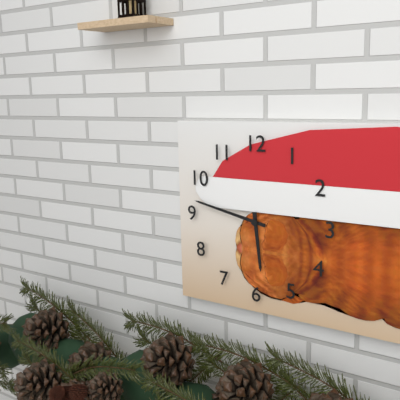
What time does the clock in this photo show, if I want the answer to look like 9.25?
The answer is 5.47
